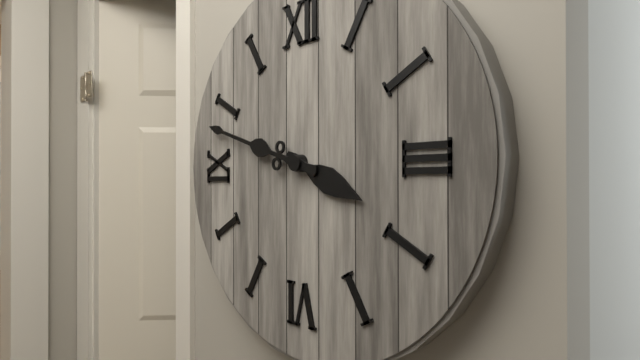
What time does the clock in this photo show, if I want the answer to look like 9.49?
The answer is 3.48
